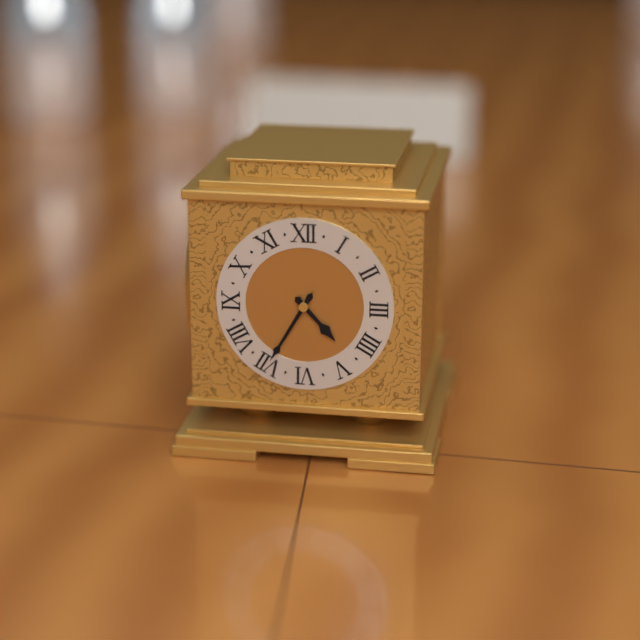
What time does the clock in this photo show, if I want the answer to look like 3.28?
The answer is 4.35
